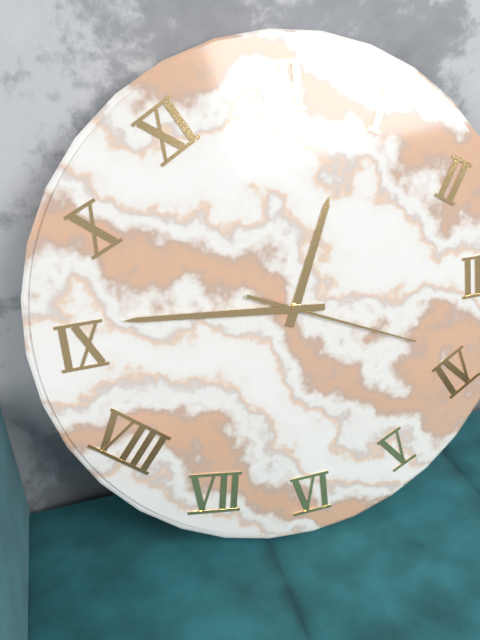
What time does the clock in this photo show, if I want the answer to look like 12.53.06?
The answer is 12.46.19
